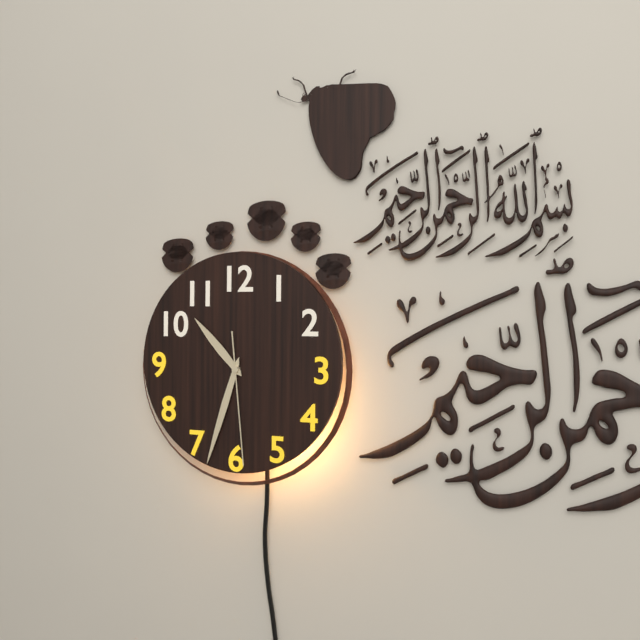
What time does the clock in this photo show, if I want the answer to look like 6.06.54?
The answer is 10.33.29
